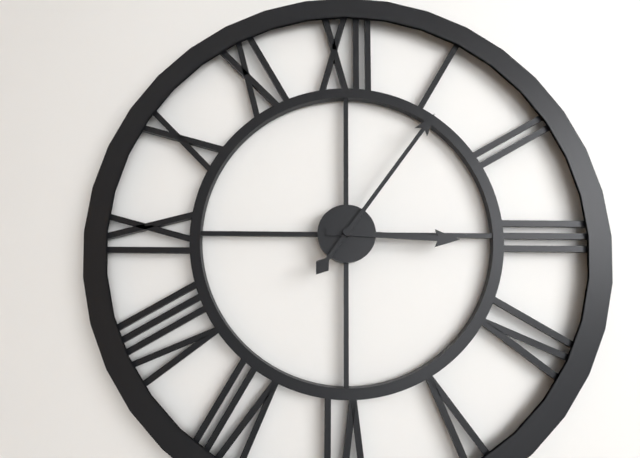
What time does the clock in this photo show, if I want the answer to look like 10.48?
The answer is 3.06
